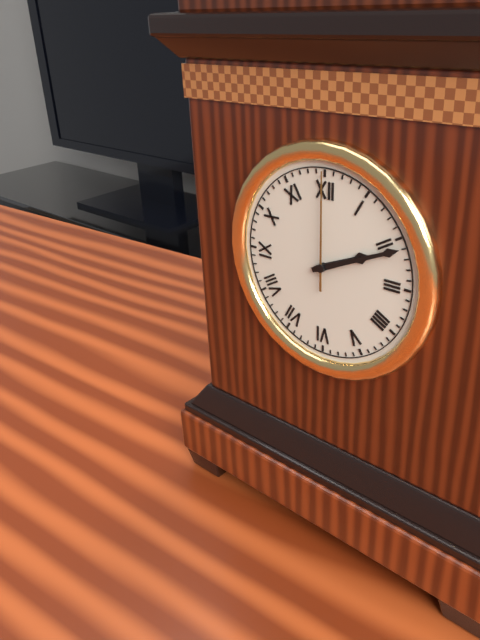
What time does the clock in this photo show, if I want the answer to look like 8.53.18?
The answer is 2.11.00
